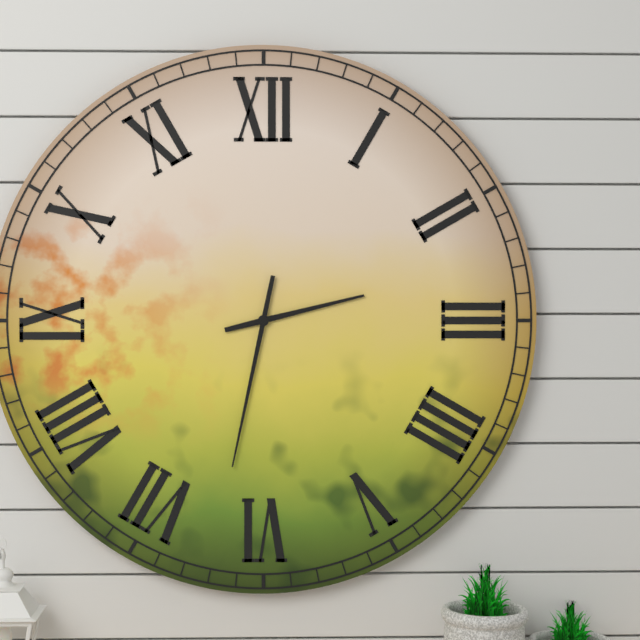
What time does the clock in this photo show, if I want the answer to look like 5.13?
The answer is 2.32
